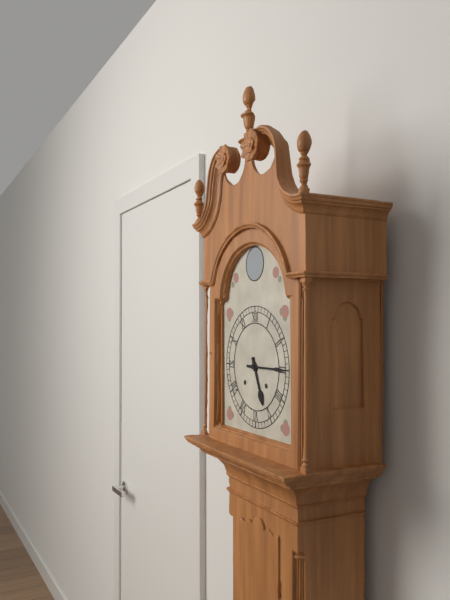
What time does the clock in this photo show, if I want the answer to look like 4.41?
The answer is 5.15
